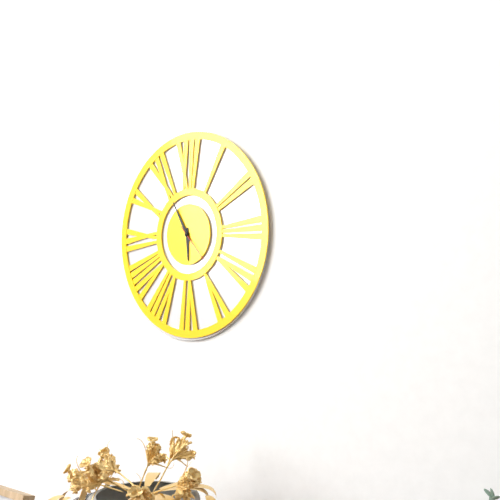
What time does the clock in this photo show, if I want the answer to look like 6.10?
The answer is 5.55
